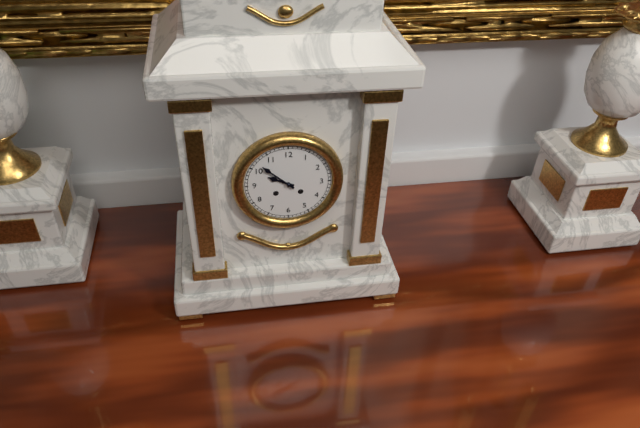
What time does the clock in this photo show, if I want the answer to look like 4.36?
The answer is 9.52
